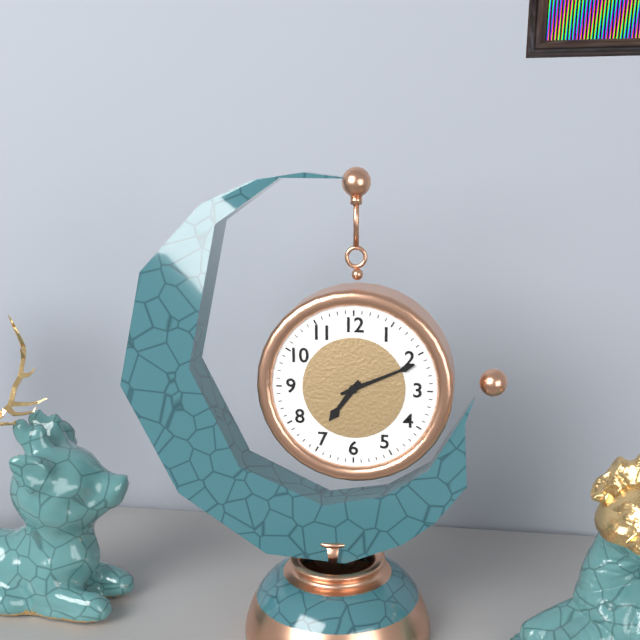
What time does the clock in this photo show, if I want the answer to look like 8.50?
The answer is 7.11
